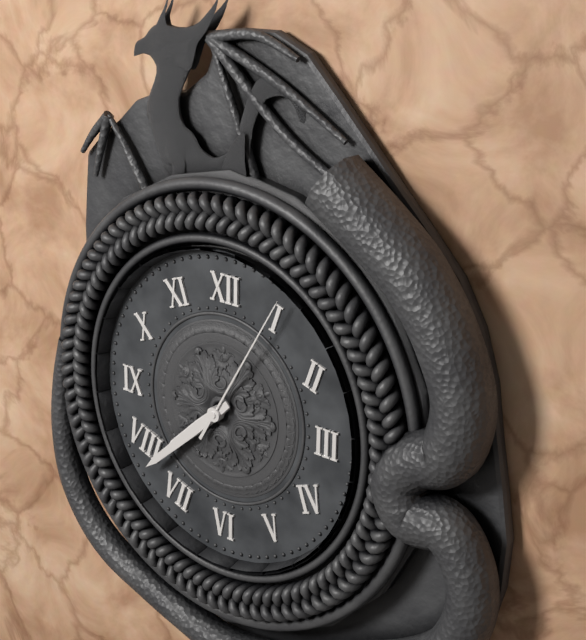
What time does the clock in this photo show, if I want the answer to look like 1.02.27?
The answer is 7.38.05
